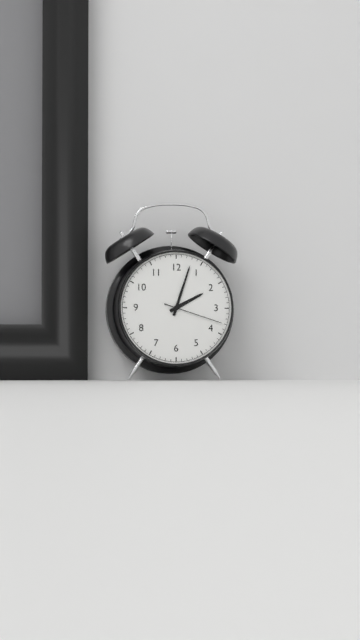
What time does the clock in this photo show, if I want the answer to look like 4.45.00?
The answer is 2.03.18
